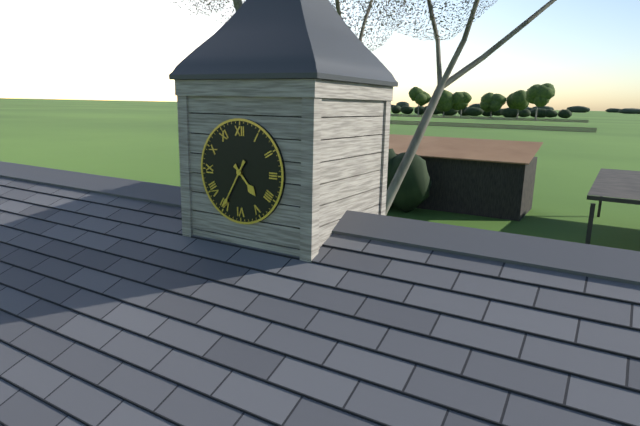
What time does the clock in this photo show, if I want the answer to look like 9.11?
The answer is 4.35
